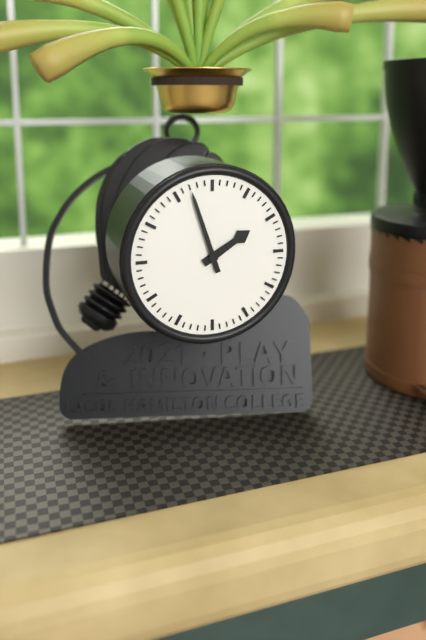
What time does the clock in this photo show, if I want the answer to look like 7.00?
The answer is 1.57
